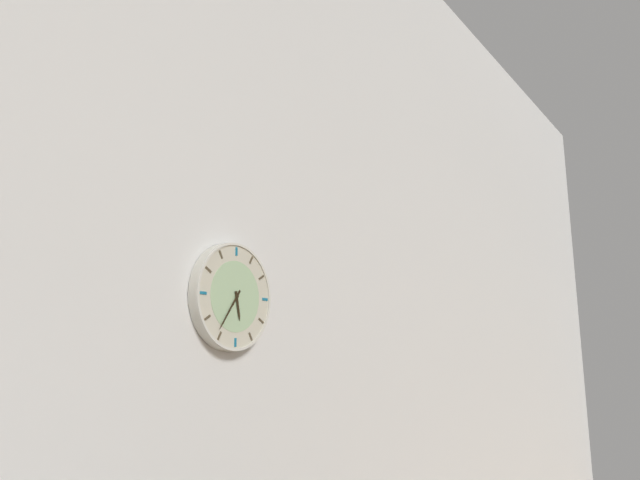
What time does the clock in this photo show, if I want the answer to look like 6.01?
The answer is 5.36
